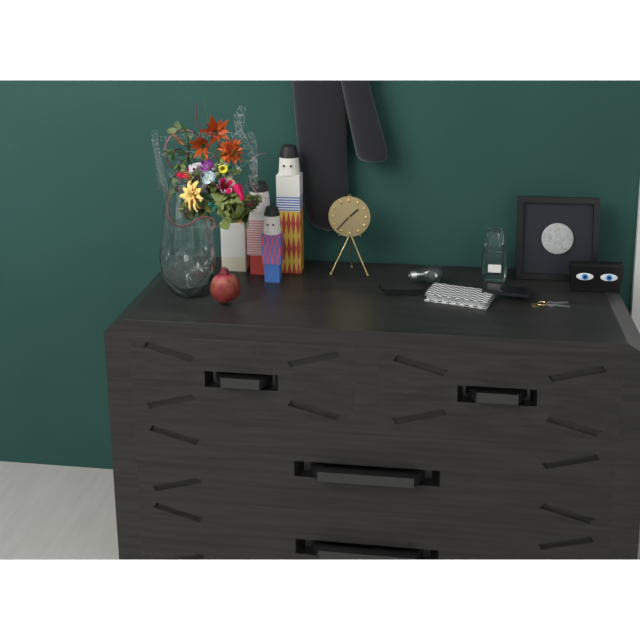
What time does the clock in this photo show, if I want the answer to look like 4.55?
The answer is 1.37
